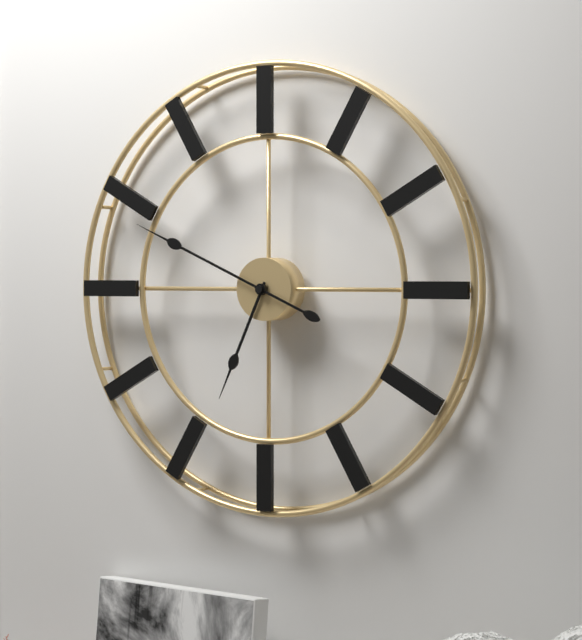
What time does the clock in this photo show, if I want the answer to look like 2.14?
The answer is 6.49
